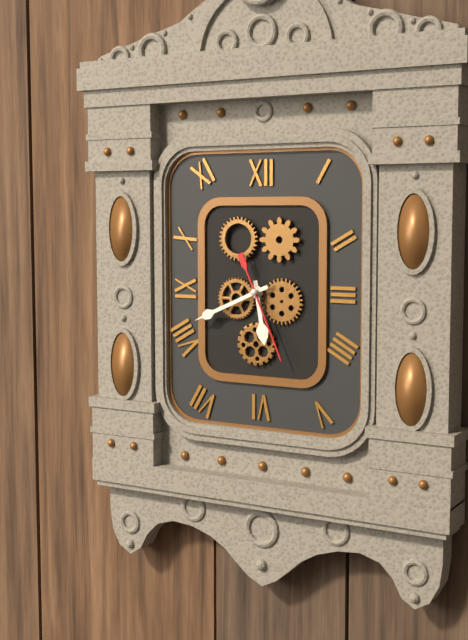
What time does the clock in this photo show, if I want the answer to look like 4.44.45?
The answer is 5.41.26
